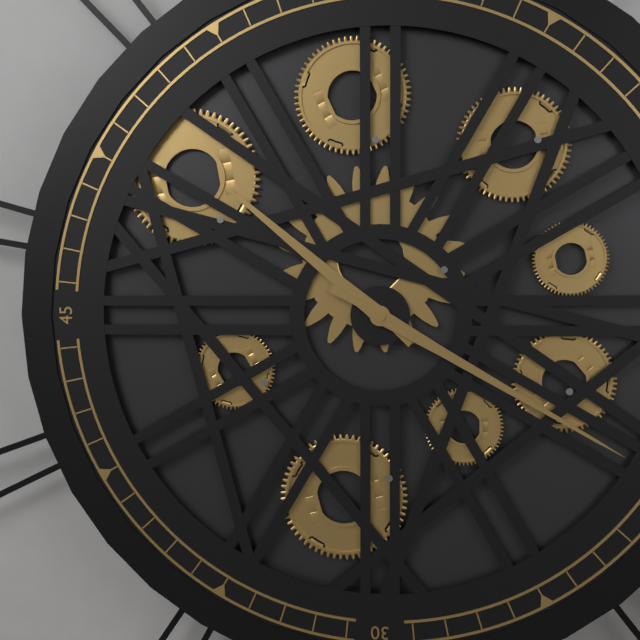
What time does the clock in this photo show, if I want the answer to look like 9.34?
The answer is 10.20
